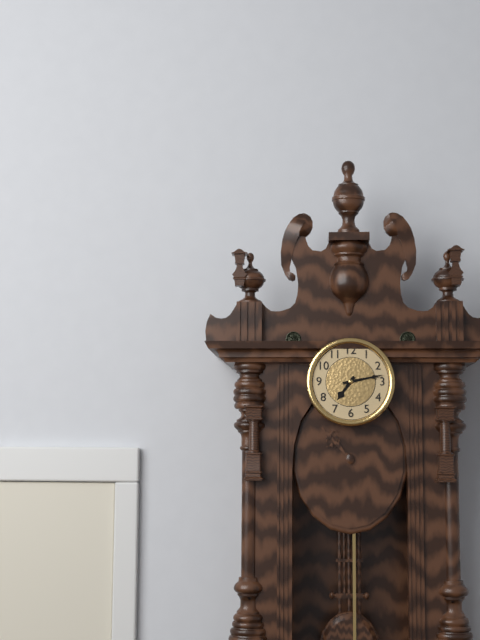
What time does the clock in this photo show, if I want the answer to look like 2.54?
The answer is 7.13
